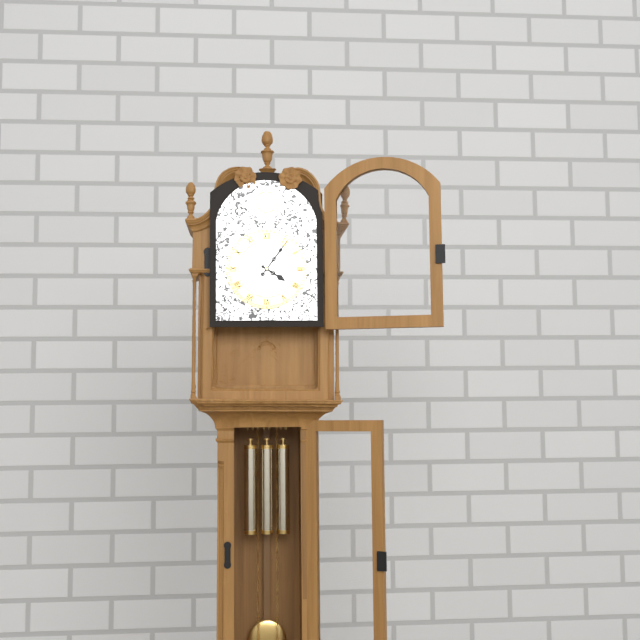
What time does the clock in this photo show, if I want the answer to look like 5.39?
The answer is 4.06
